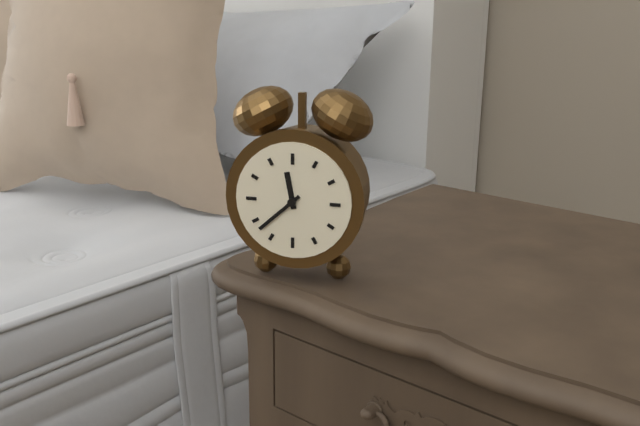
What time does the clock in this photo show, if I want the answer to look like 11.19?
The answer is 11.38
